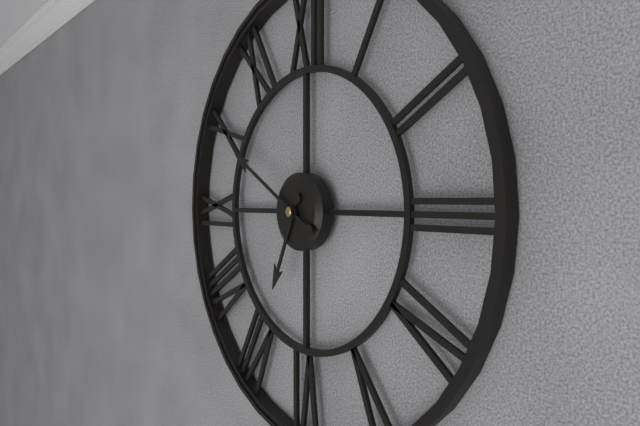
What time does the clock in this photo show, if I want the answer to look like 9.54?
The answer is 6.50
